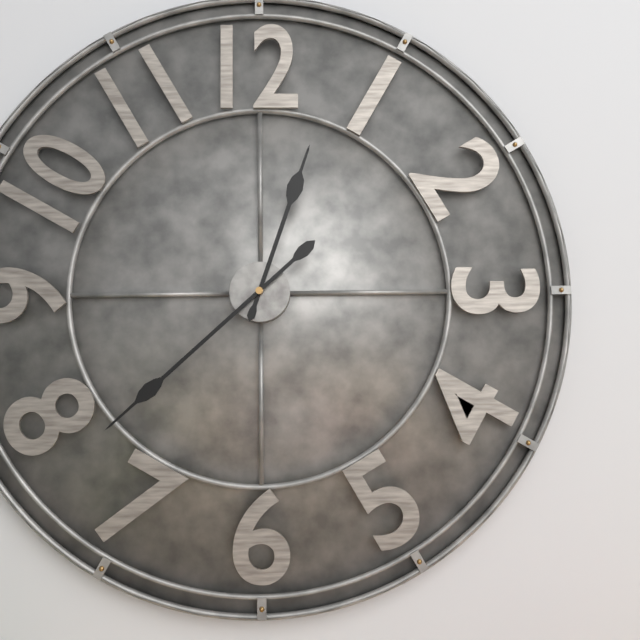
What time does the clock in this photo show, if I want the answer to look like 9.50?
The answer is 12.38
